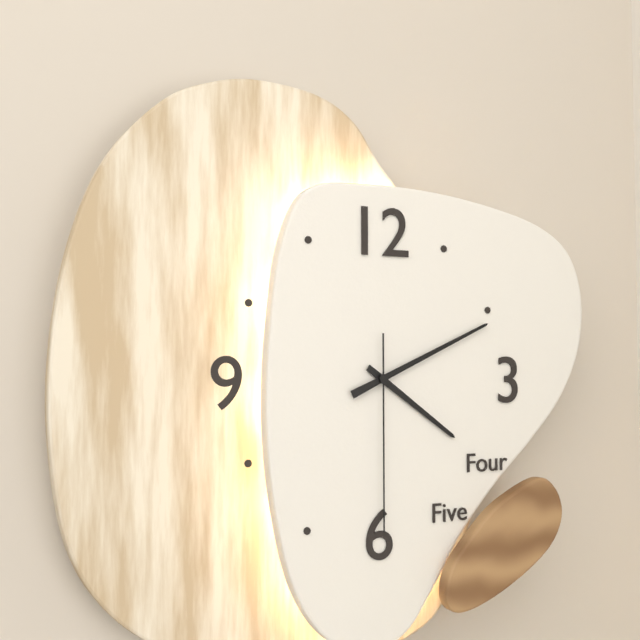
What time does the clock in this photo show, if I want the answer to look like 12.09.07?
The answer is 4.11.30
